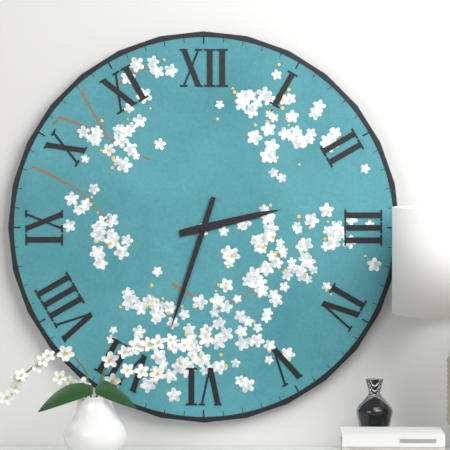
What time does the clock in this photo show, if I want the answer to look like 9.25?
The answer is 2.33
